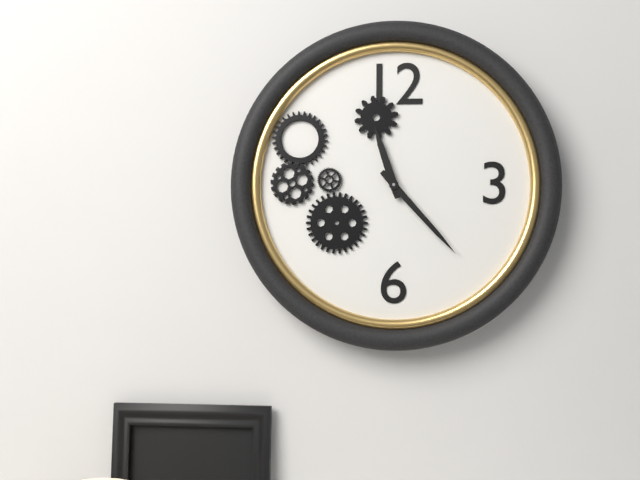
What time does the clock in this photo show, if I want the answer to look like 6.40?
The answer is 11.23
